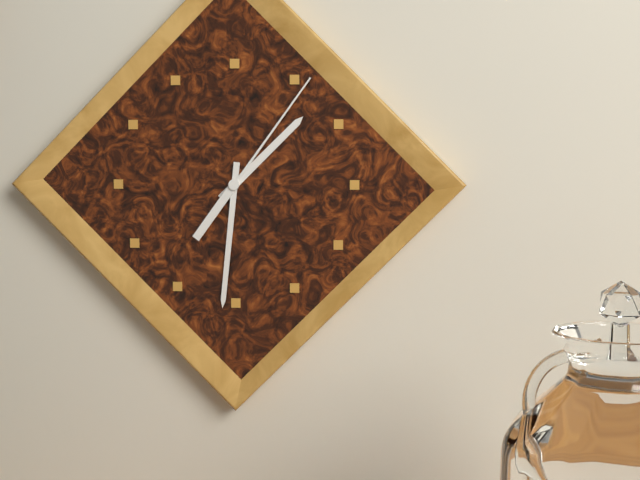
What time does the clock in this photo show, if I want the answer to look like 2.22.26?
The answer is 1.31.06
